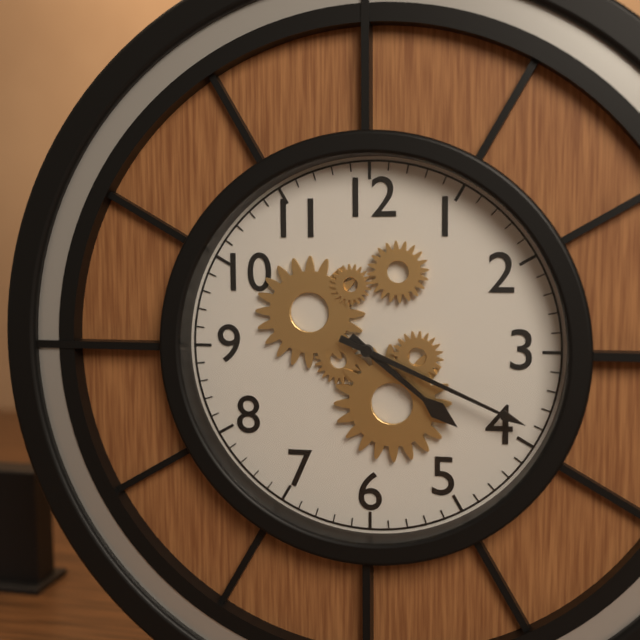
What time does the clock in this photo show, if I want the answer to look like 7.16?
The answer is 4.19
